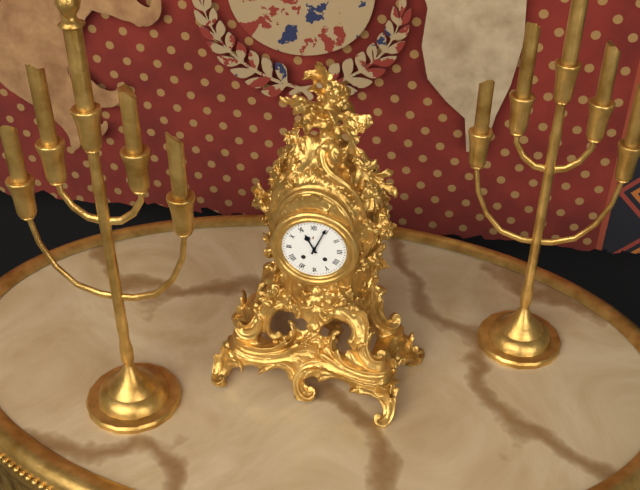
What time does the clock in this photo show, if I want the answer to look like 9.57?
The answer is 11.04
